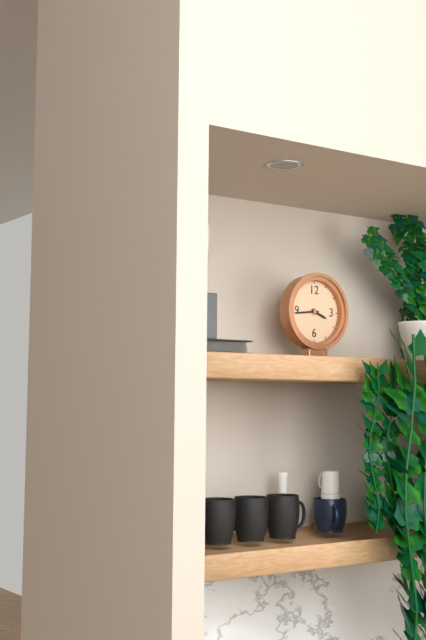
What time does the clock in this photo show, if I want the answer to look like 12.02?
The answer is 3.44
